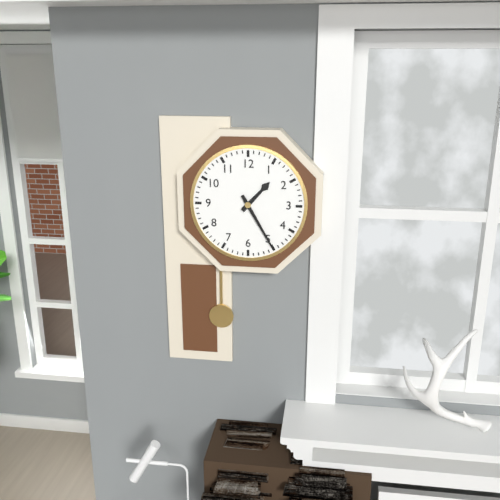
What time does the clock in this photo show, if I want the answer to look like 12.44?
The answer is 1.25
